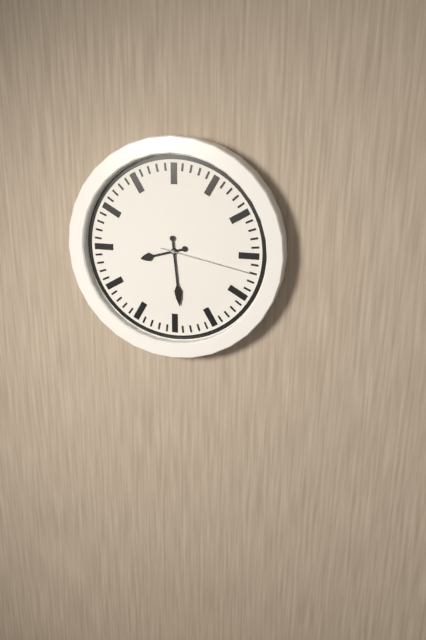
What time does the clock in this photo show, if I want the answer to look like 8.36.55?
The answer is 8.29.17
